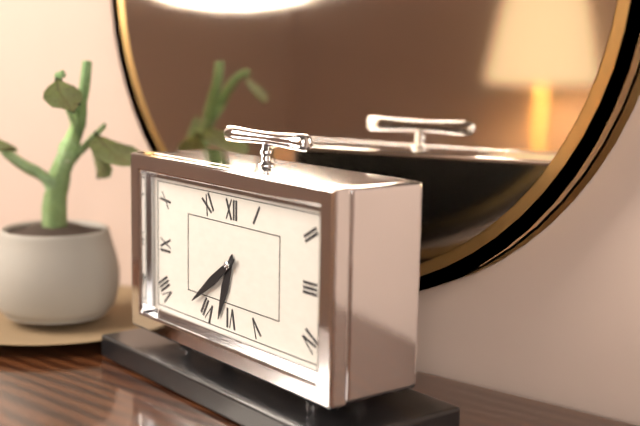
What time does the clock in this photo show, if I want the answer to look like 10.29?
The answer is 6.39
